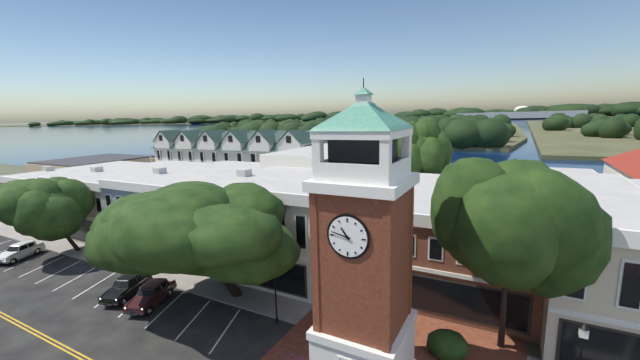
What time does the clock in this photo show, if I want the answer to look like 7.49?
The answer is 10.47
